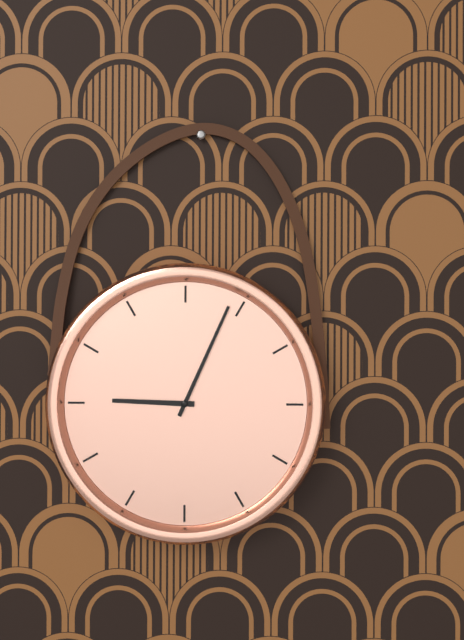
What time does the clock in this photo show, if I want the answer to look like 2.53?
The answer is 9.04
